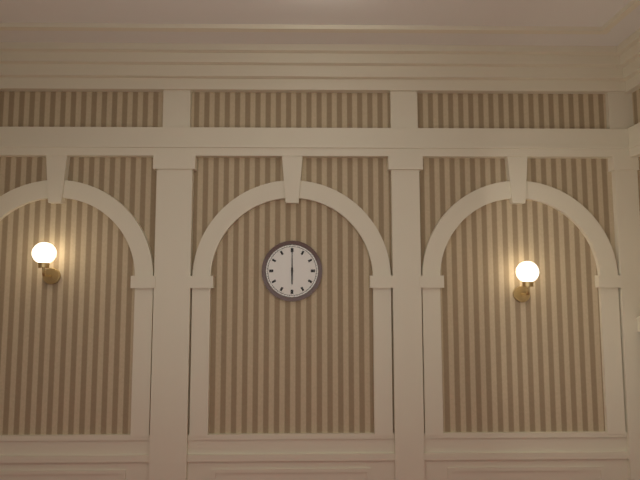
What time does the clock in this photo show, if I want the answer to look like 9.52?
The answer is 6.00
